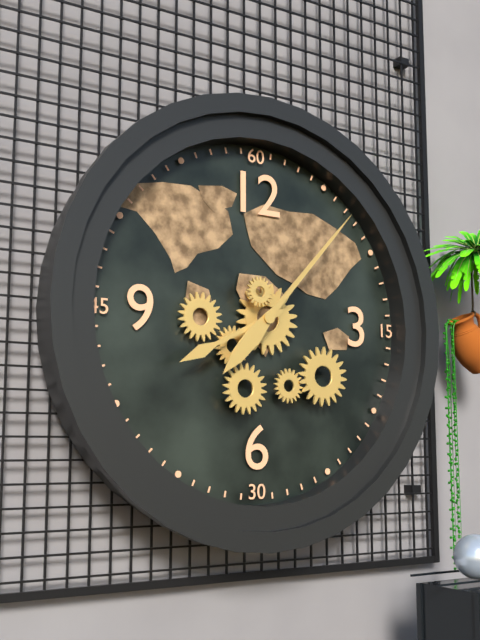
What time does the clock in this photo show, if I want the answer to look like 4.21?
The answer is 8.07
